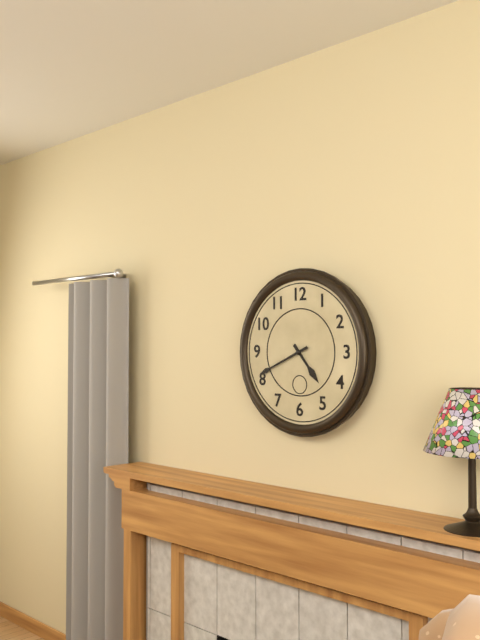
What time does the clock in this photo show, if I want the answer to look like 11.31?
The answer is 4.41
